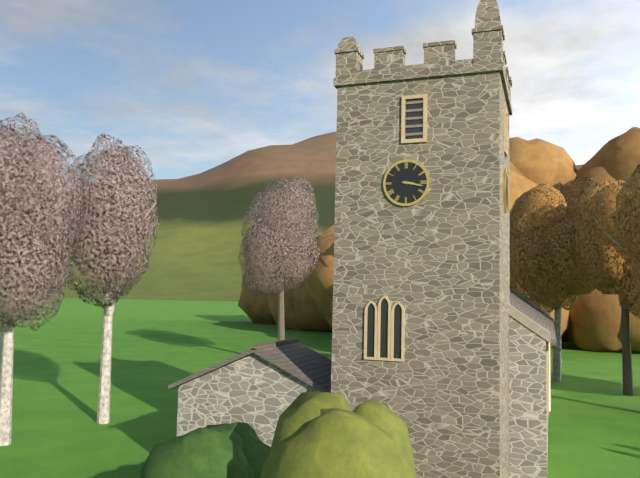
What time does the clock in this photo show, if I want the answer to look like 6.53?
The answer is 3.17
